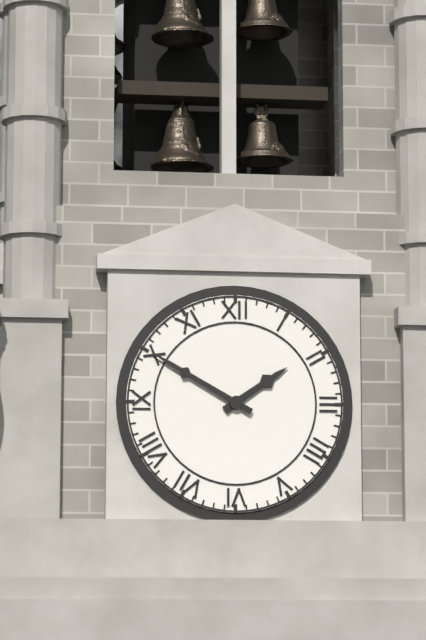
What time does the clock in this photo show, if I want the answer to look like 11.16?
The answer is 1.50
